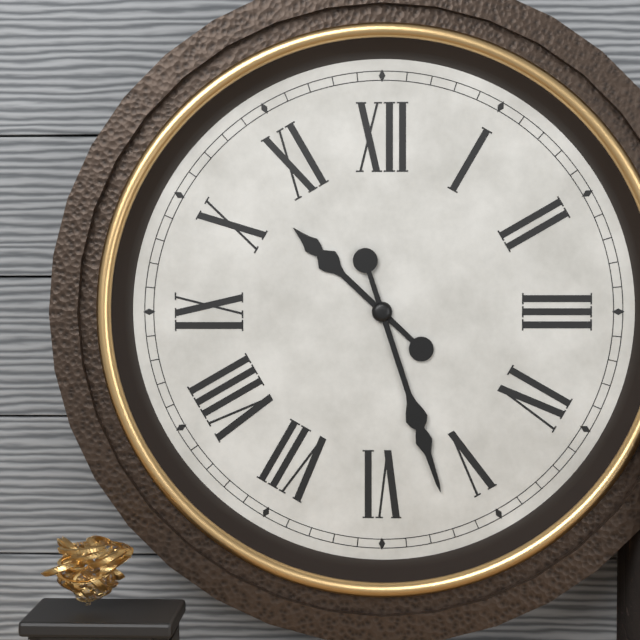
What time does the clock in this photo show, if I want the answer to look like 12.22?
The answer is 10.27
